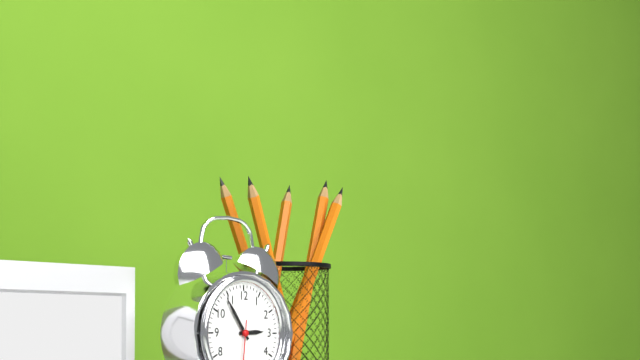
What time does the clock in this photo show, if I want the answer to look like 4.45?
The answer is 2.54
